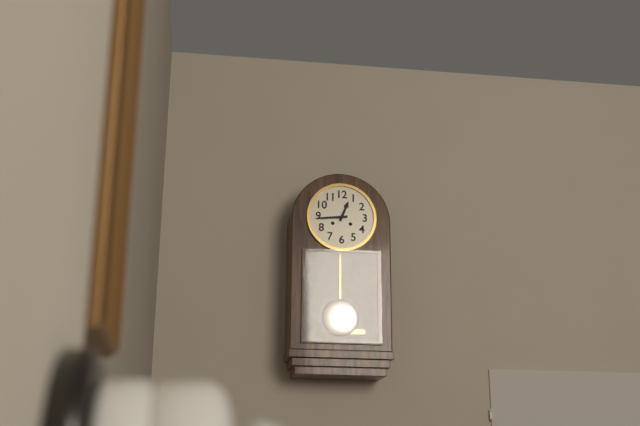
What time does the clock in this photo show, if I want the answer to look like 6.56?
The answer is 12.44
